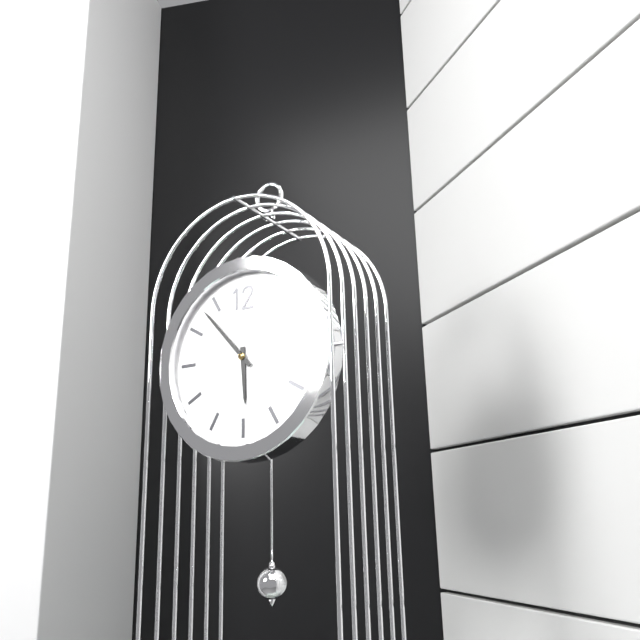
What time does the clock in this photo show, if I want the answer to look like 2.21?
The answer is 5.53
